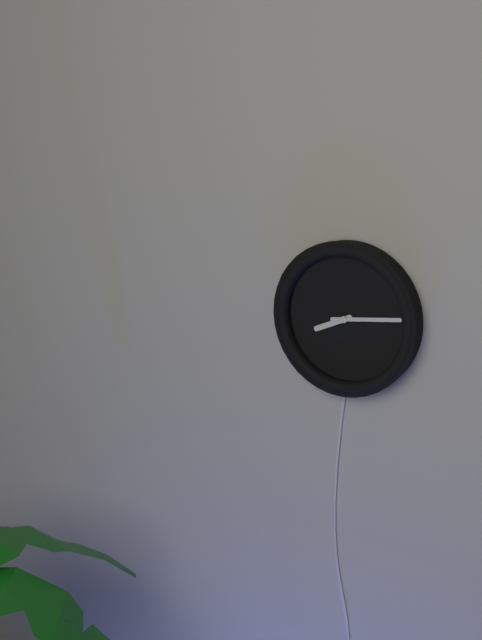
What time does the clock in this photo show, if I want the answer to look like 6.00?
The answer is 8.14
